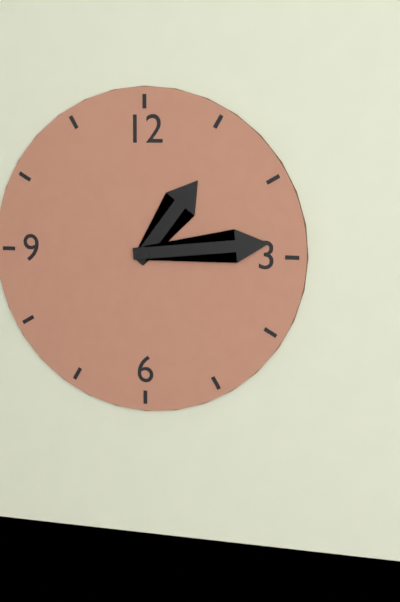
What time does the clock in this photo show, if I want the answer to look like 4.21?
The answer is 1.14
